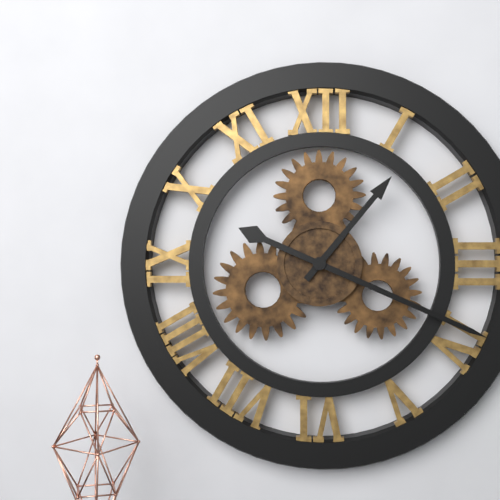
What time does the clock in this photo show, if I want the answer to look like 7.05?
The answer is 1.19
